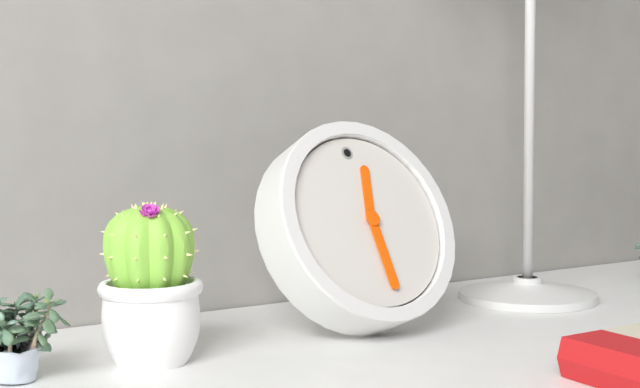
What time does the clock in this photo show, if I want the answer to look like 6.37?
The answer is 12.30
